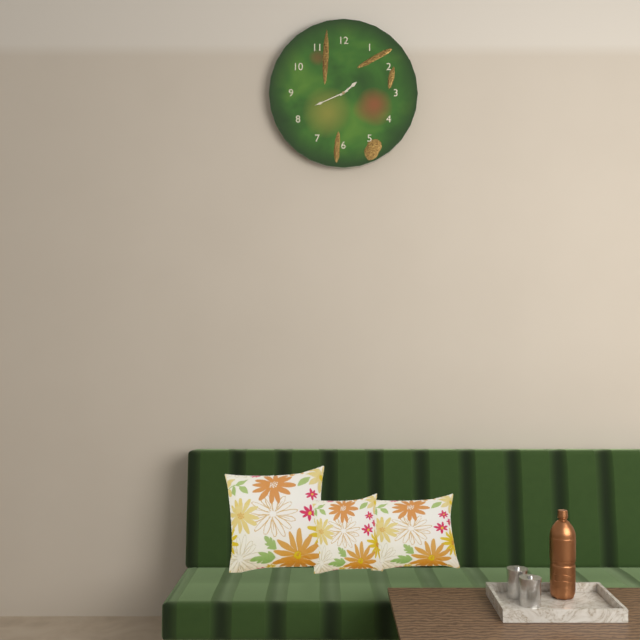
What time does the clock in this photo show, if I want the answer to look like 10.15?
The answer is 1.41
